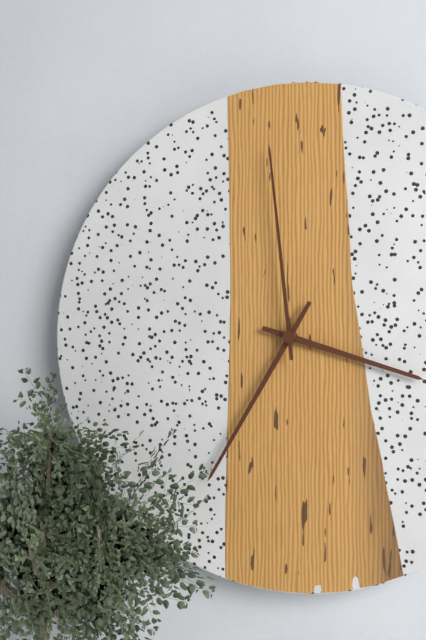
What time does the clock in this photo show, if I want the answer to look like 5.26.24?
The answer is 3.35.59
